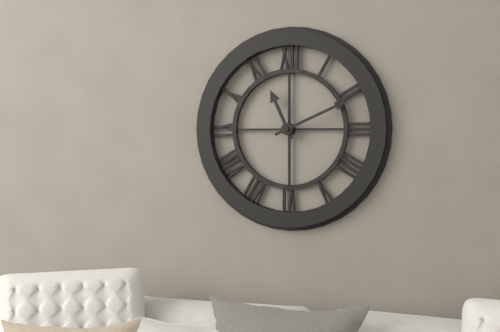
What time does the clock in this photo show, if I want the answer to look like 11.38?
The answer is 11.11
